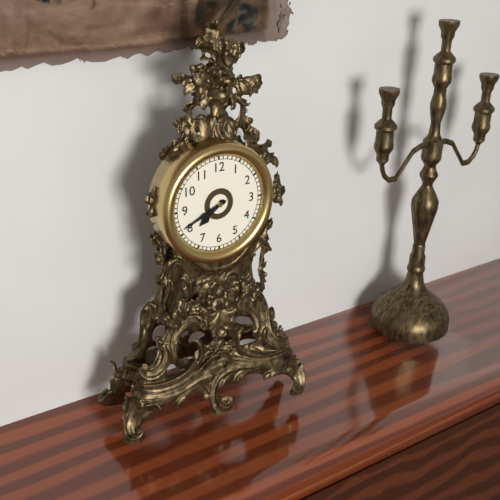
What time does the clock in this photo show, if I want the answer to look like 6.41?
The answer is 7.41
